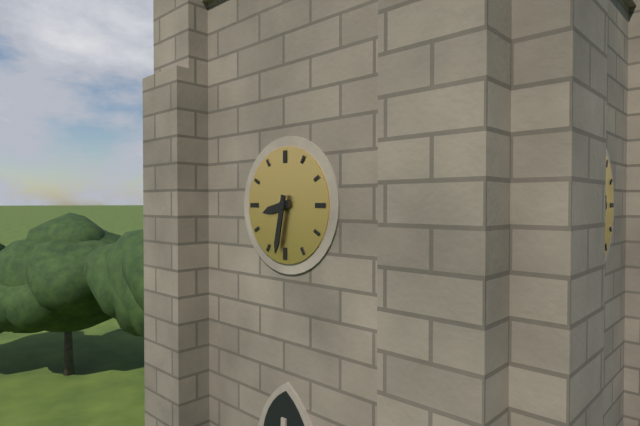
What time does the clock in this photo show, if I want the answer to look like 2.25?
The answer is 8.32
